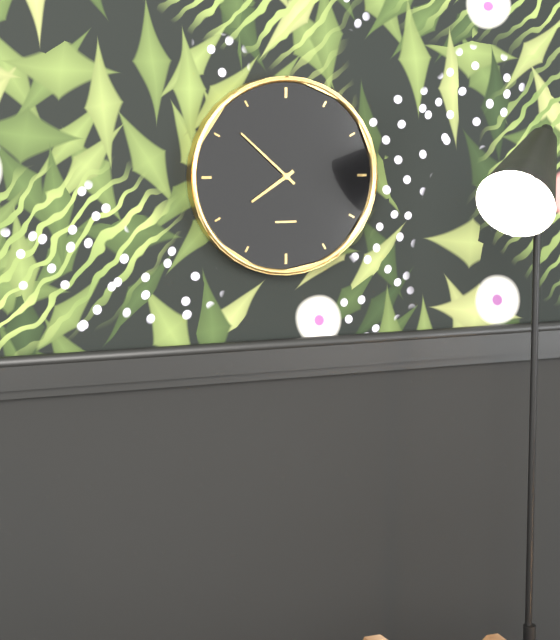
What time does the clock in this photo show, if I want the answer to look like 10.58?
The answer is 7.52
